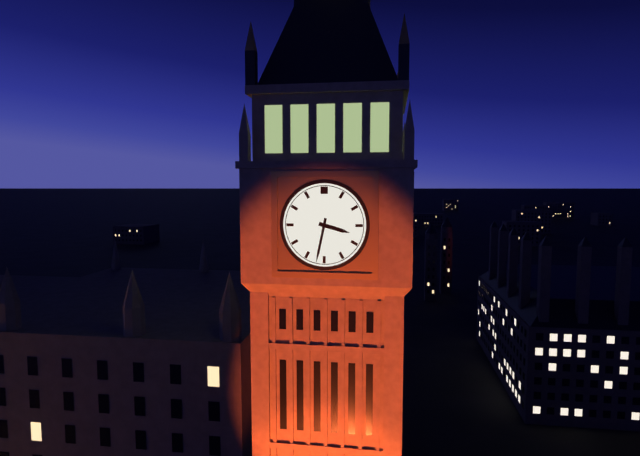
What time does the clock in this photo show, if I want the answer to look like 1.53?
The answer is 3.32
